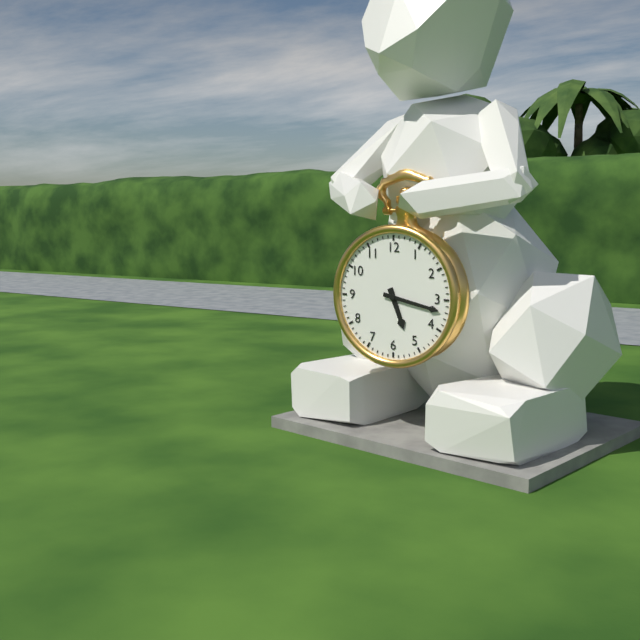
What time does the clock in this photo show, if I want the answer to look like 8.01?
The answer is 5.17
